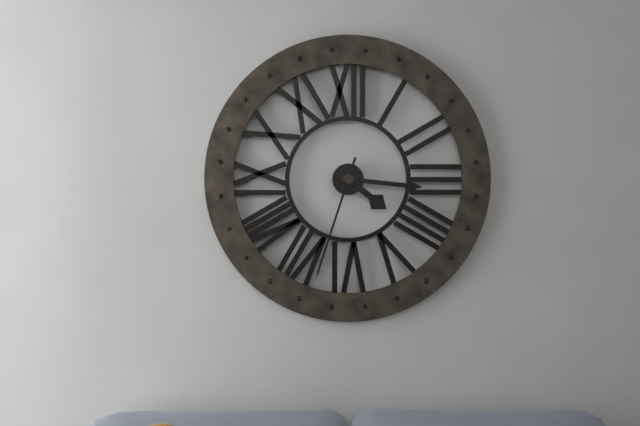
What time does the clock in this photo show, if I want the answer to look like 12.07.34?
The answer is 4.16.33
